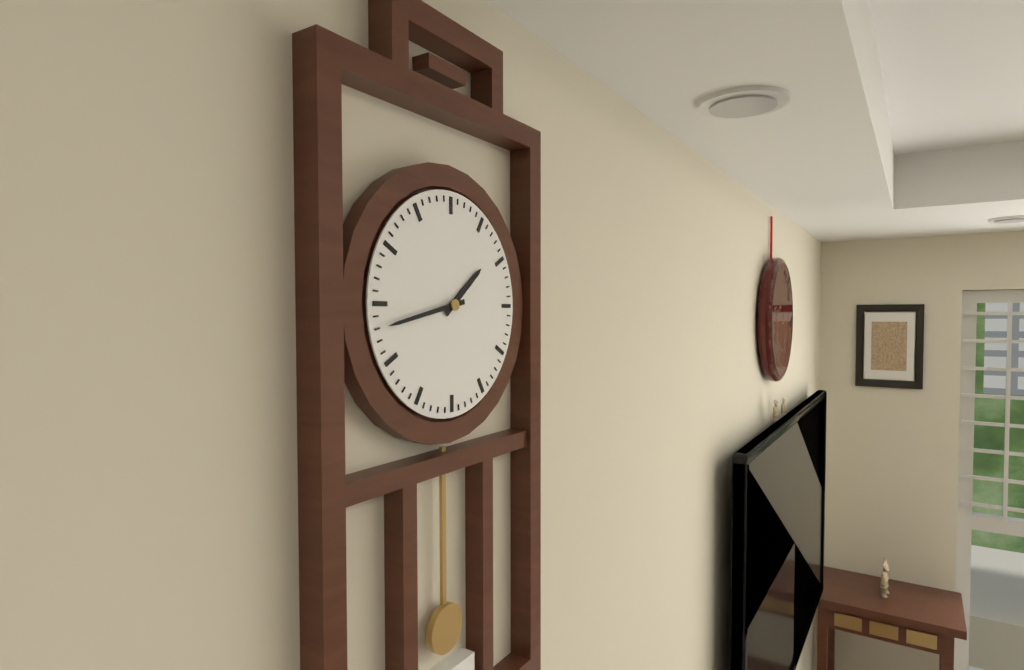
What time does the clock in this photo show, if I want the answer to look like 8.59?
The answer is 1.43
